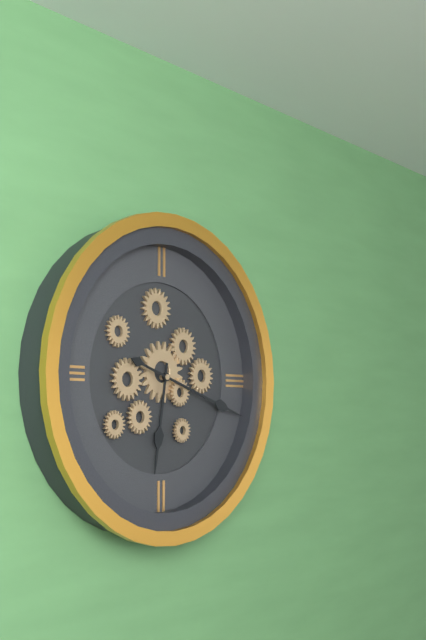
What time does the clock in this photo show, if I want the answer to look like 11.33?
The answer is 6.18
